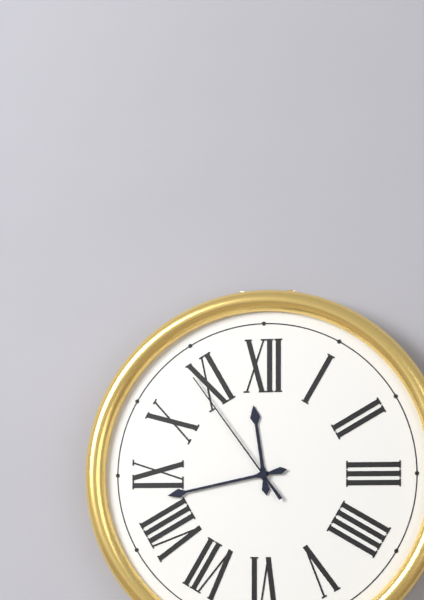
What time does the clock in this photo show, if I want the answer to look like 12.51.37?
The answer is 11.43.54
